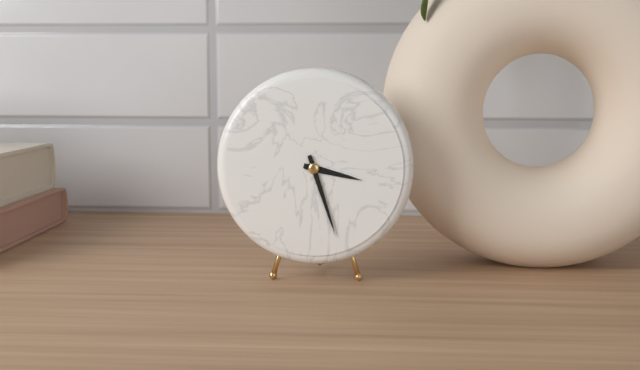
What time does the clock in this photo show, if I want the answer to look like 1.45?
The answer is 3.27
